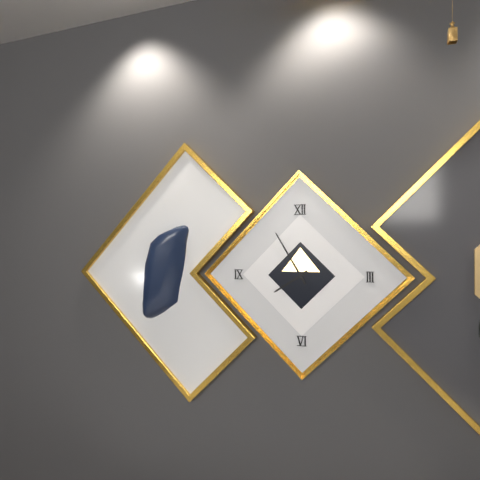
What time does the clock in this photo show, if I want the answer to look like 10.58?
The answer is 7.55
